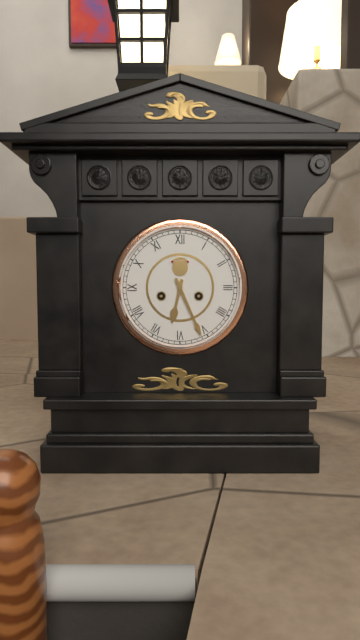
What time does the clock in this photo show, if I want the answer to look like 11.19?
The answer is 6.26
